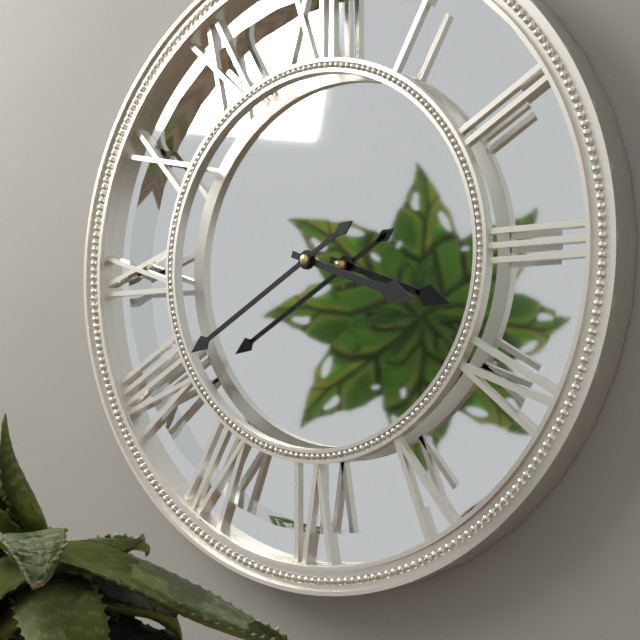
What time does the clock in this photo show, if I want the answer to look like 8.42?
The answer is 3.40
